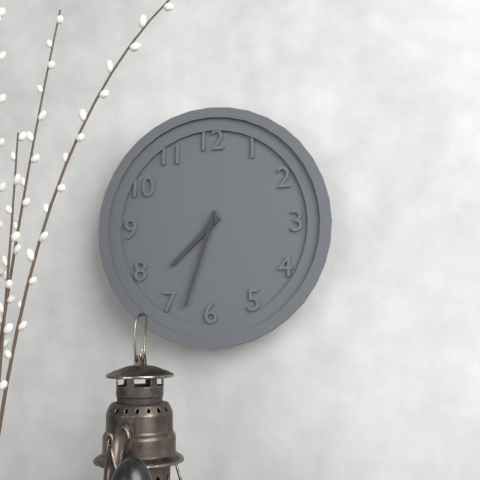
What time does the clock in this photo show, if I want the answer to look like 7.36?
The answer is 7.33
